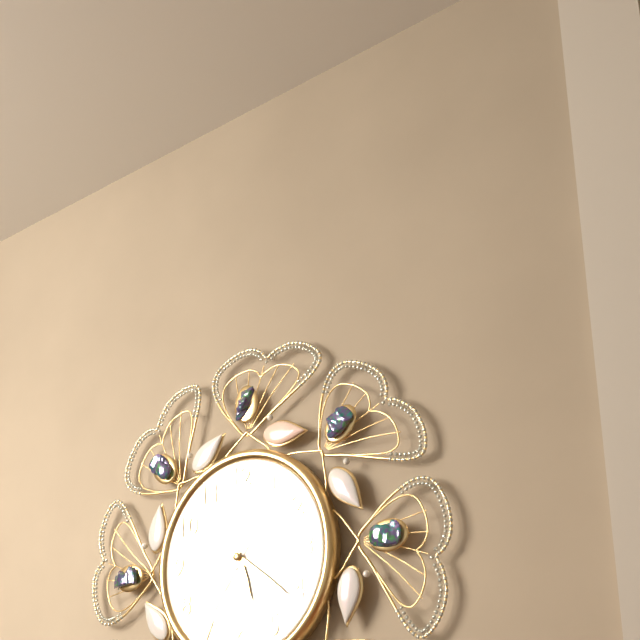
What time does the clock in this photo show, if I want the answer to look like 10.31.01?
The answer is 5.21.36
